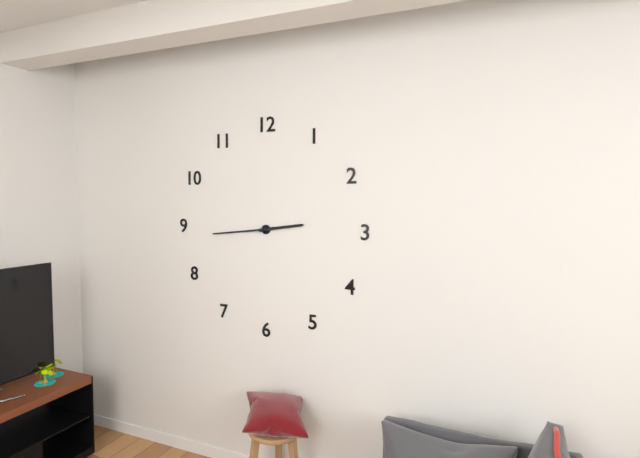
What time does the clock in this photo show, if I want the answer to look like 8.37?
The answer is 2.44
